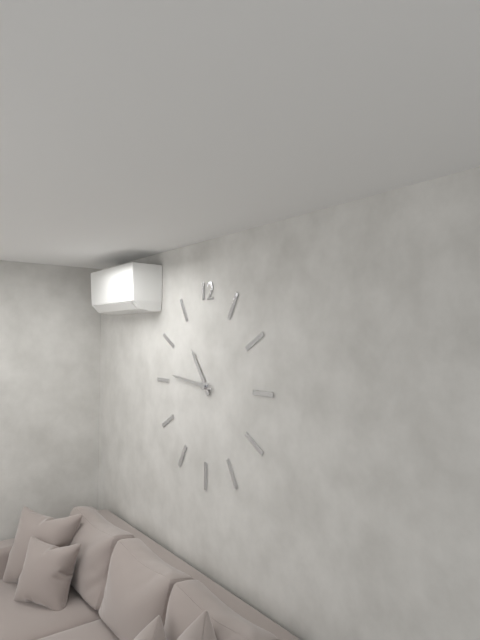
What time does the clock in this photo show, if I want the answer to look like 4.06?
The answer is 10.46
